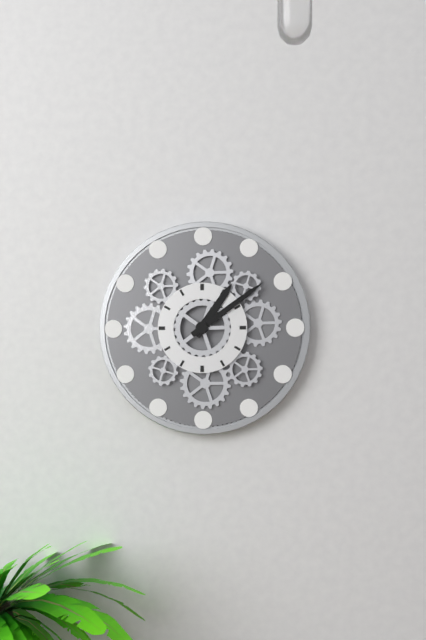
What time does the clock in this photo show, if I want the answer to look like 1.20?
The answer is 1.09
